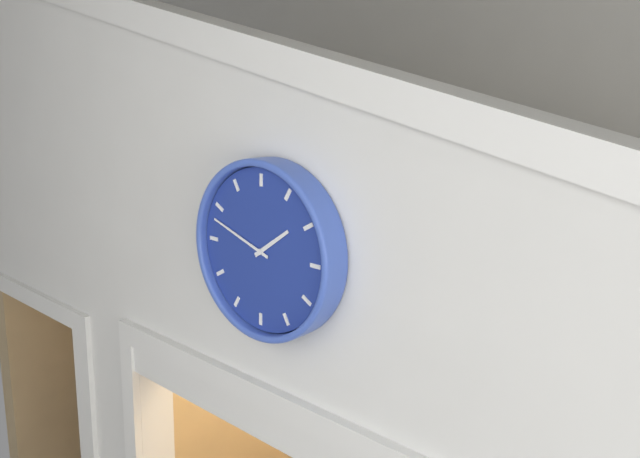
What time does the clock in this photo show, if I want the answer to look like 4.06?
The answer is 1.48
